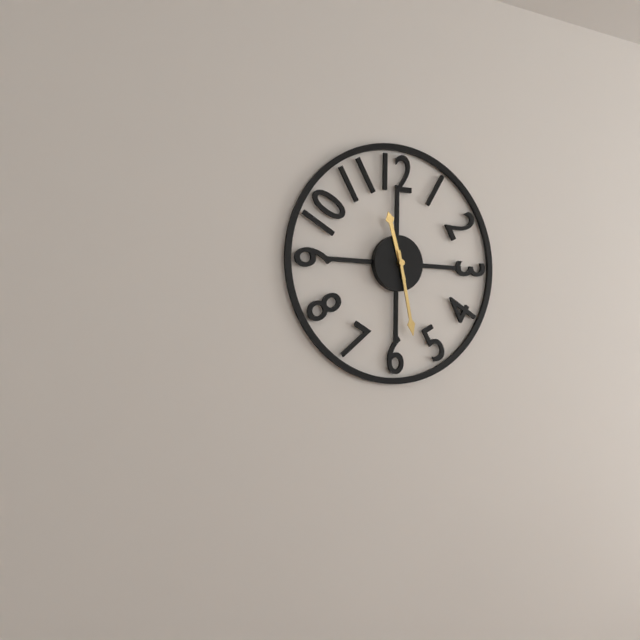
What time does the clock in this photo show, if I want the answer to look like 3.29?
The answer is 11.28
